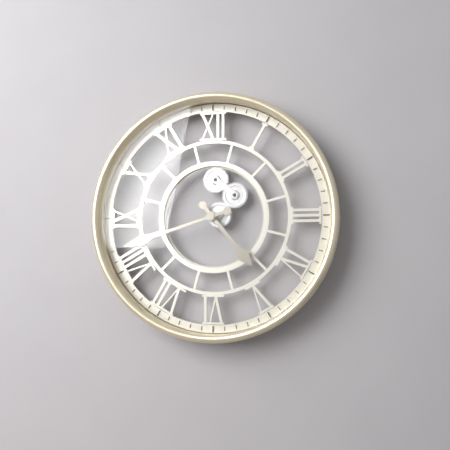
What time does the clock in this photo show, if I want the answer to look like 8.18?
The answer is 4.42
